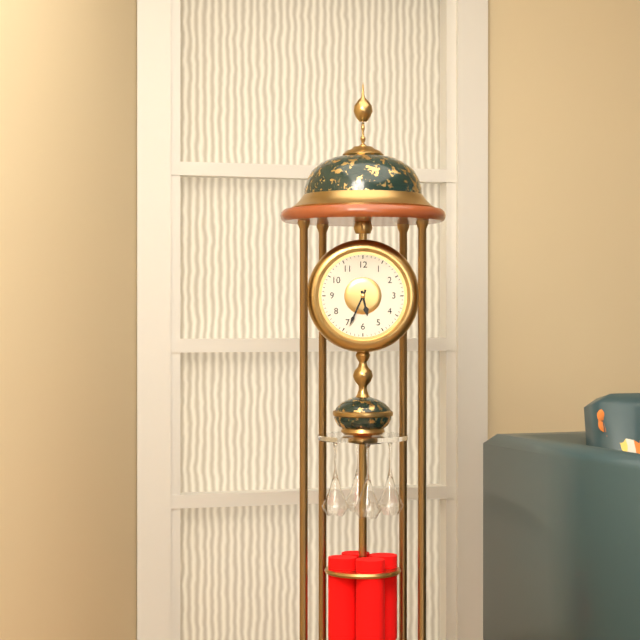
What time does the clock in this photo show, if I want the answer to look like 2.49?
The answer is 5.34
